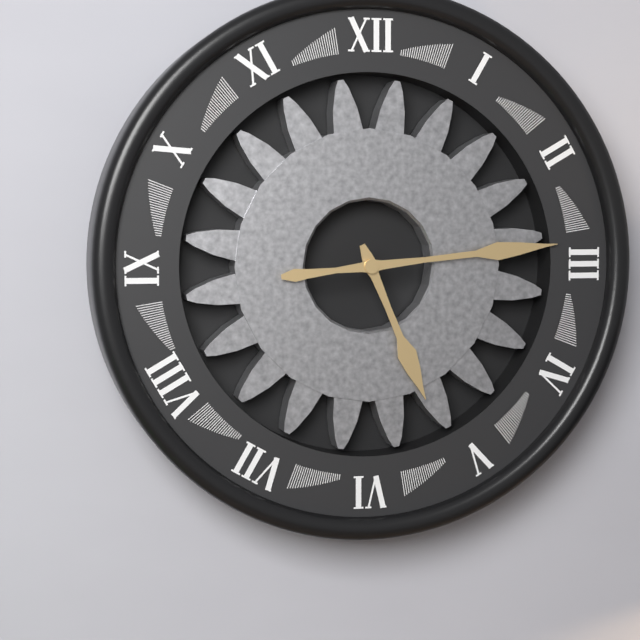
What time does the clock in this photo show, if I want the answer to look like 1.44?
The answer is 5.14
